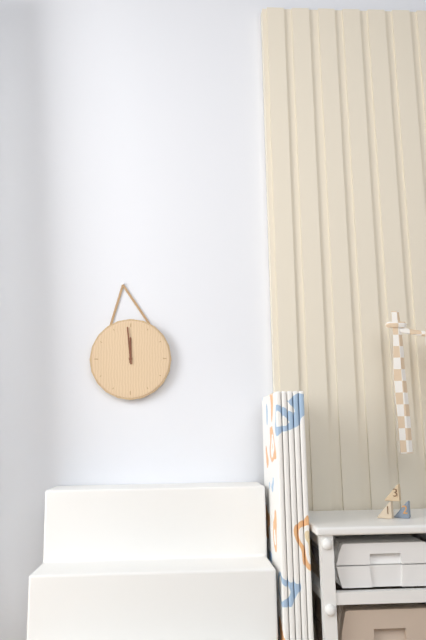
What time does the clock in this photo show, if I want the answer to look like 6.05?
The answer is 11.59
